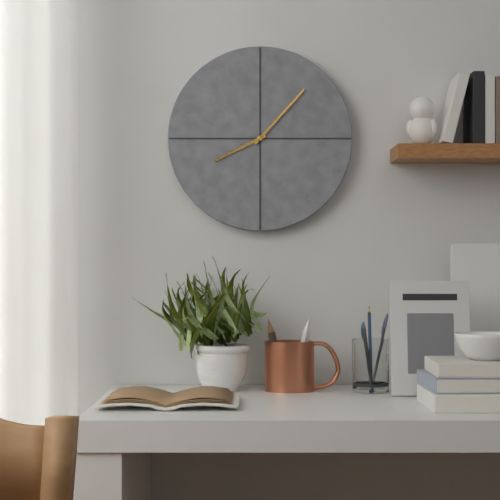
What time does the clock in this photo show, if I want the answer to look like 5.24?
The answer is 8.07
